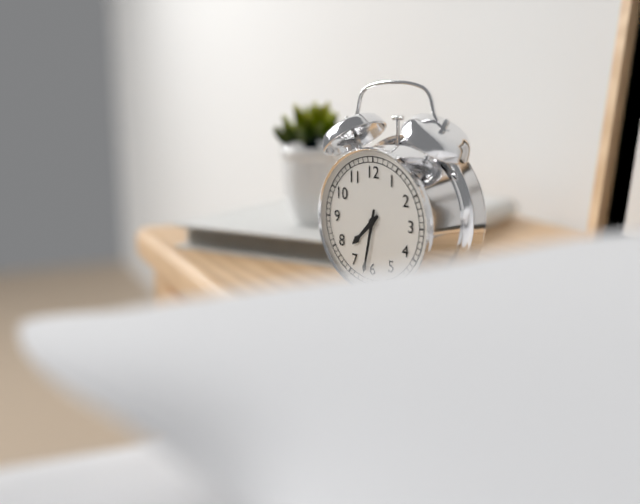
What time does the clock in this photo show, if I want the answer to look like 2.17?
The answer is 7.32
